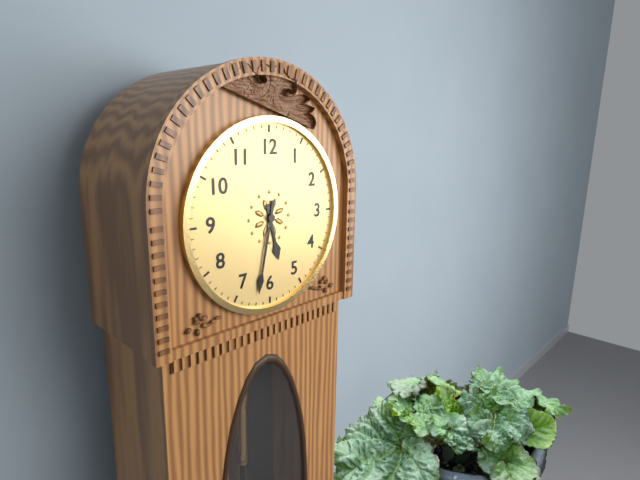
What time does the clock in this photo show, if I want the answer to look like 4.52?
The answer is 5.32
